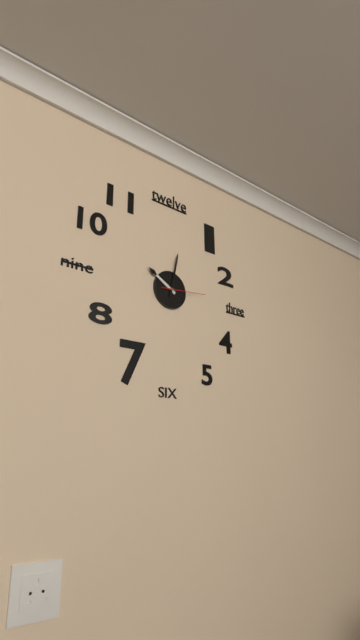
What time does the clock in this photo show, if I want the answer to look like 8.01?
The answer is 10.02
